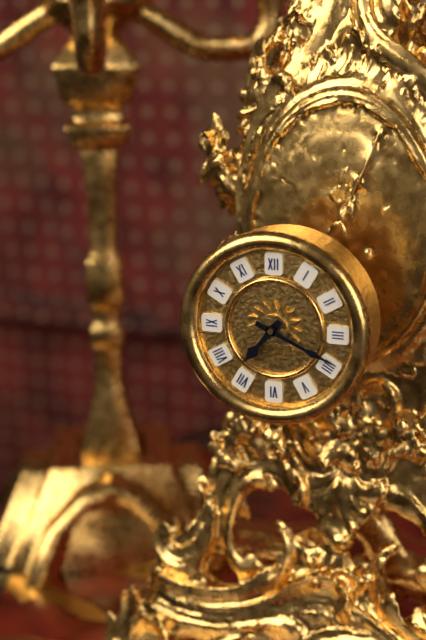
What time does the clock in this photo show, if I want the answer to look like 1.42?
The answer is 7.19
